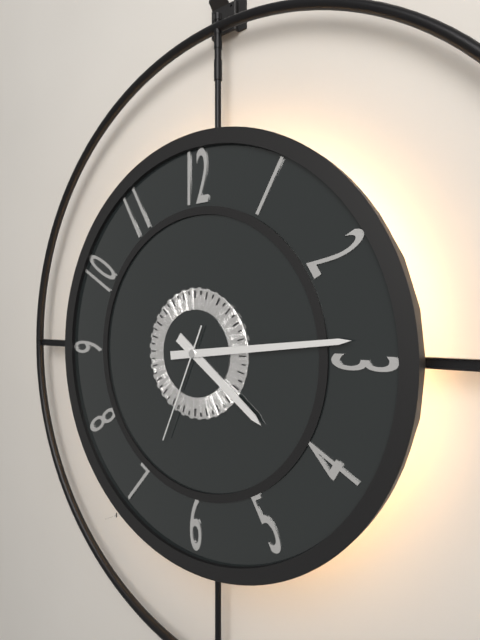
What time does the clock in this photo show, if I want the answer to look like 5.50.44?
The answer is 4.14.34
